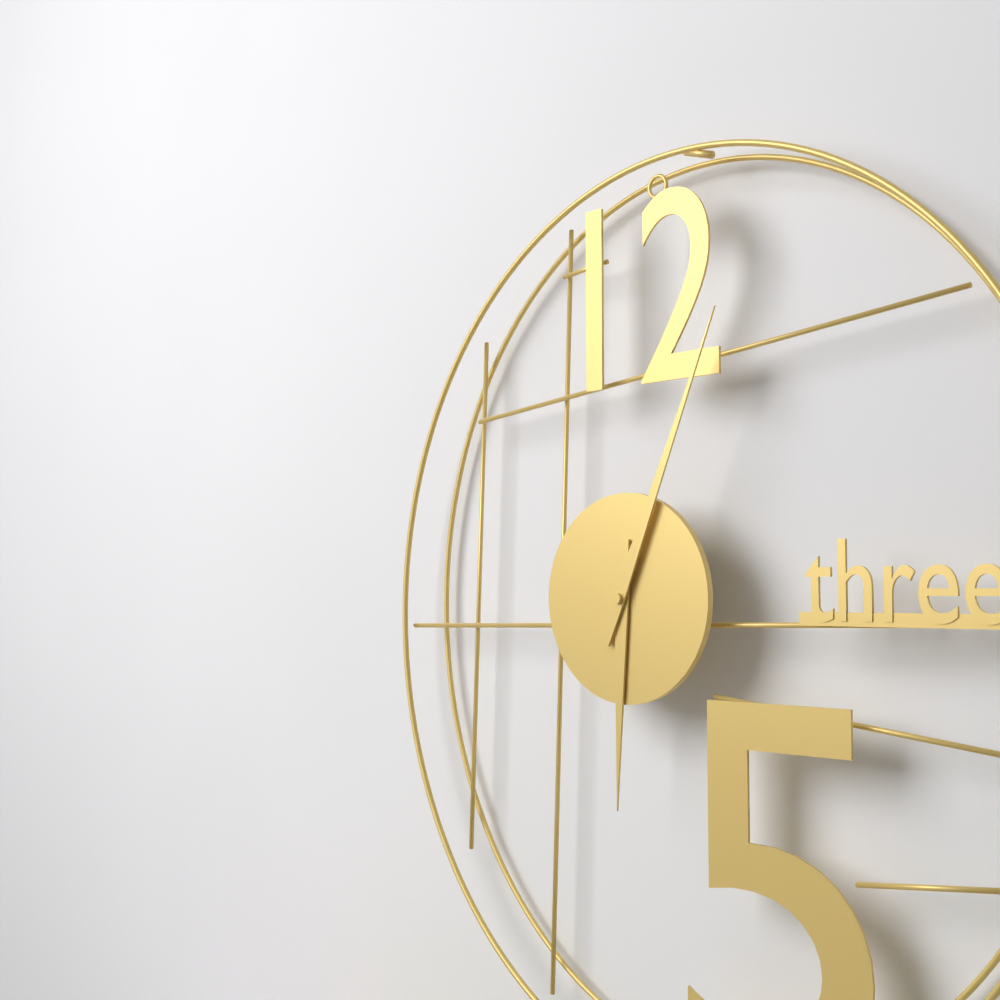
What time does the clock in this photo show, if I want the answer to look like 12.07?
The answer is 6.04
